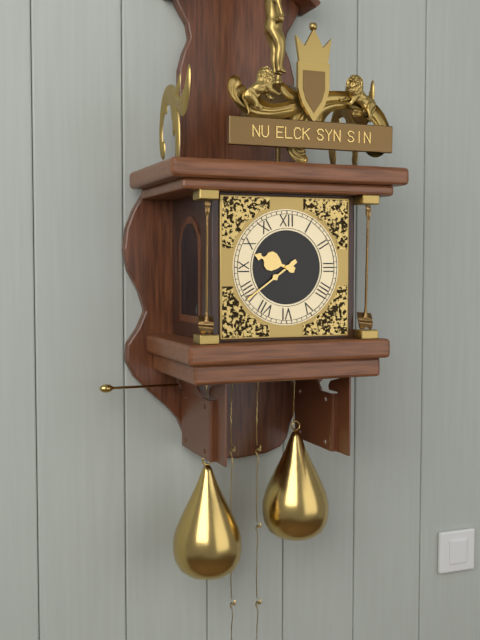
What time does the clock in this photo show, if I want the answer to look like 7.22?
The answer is 9.39
